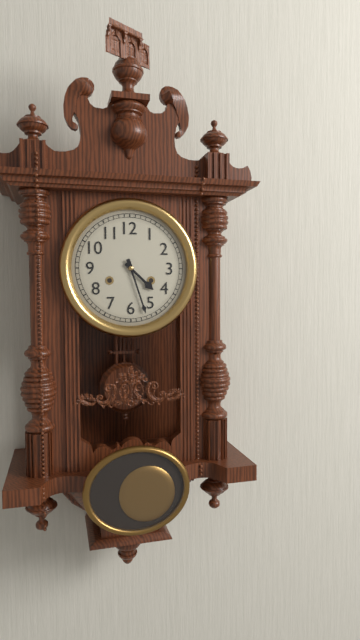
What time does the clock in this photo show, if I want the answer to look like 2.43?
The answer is 4.27
